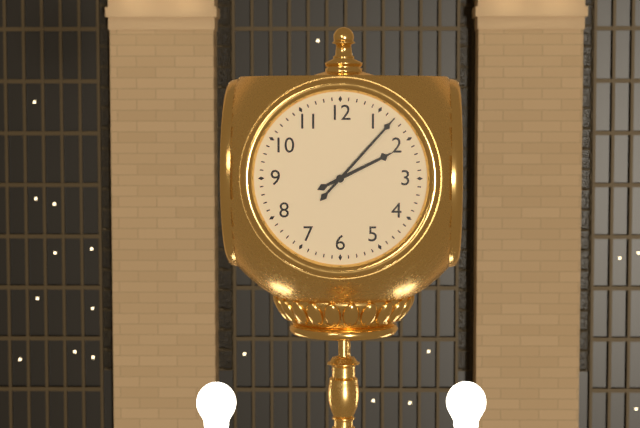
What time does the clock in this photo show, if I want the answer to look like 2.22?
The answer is 2.07
